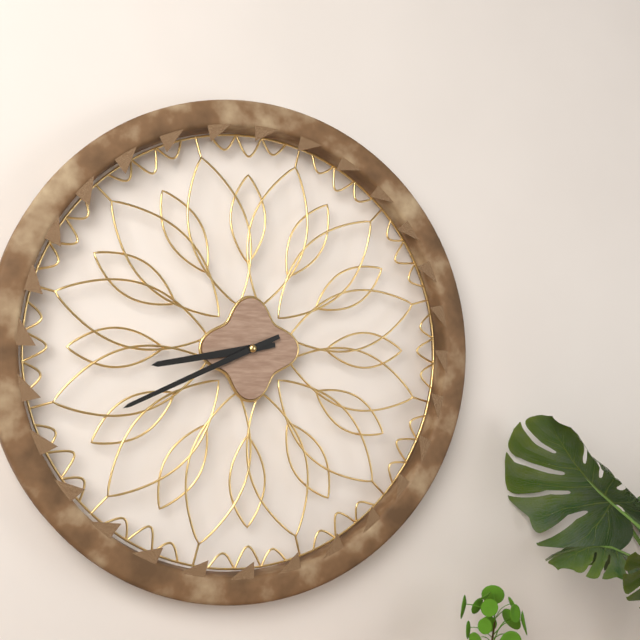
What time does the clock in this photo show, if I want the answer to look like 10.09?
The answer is 8.41
